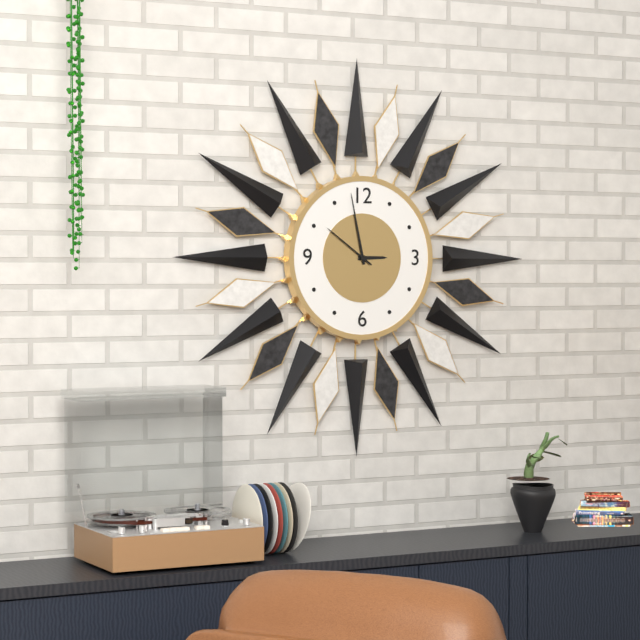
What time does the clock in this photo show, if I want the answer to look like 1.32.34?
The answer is 2.58.51
